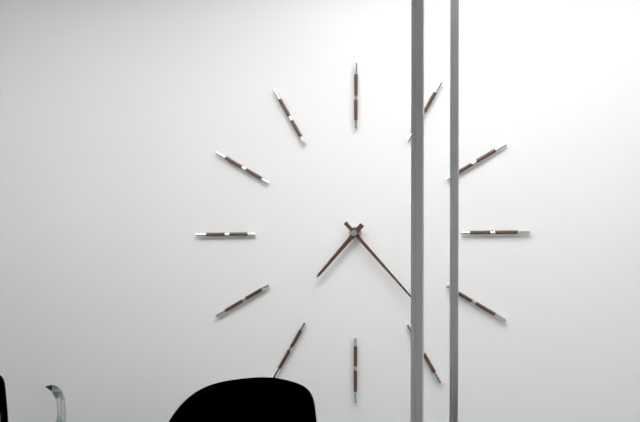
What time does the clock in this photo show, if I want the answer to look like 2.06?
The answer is 7.23
